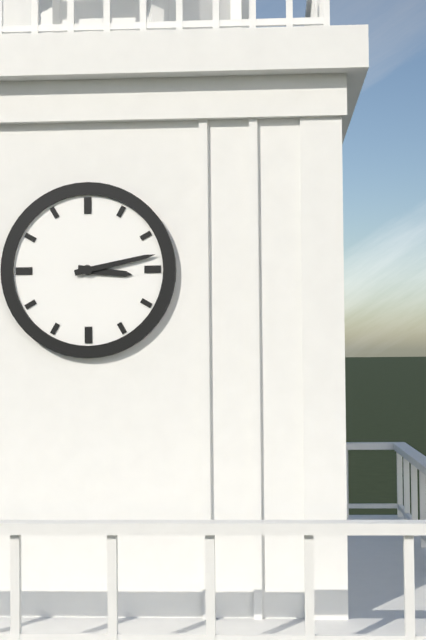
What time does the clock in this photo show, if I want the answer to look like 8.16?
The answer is 3.13
